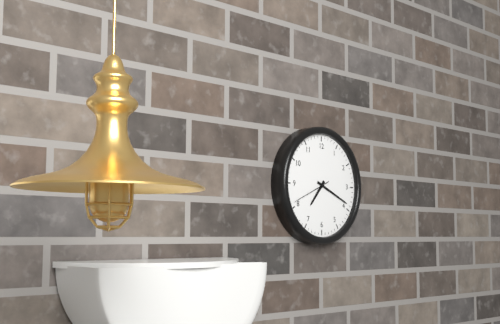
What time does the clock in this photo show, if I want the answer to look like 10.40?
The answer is 7.19
